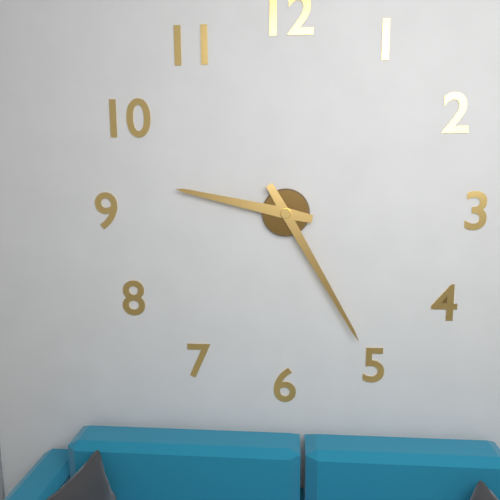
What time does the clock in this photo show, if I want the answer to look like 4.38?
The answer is 9.25
